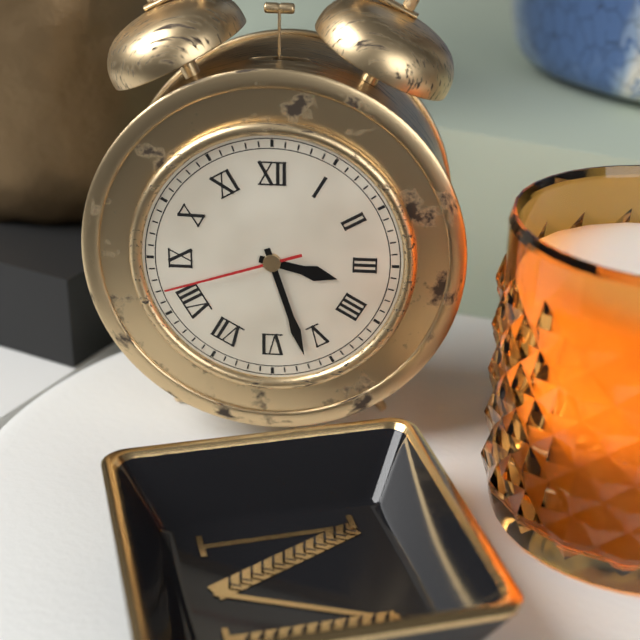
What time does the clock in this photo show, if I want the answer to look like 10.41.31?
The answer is 3.27.42
